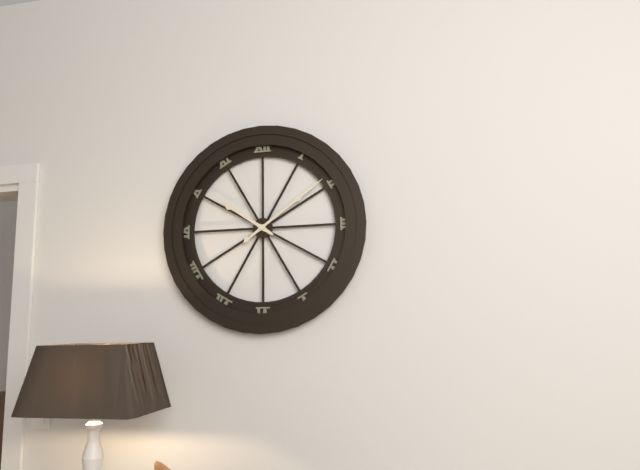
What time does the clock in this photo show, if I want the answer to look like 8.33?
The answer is 10.09
